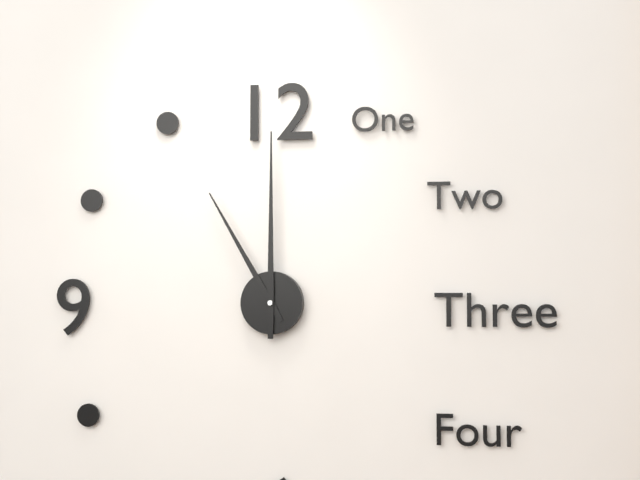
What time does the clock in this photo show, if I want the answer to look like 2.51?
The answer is 11.00
